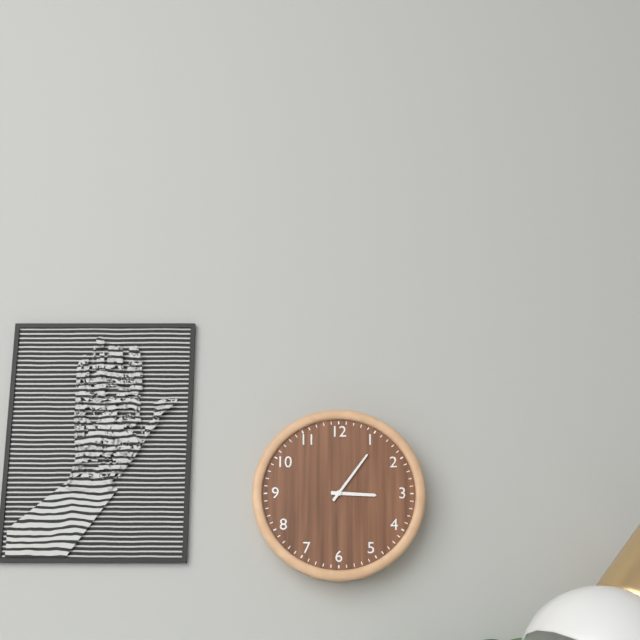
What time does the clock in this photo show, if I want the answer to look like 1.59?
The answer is 3.06
